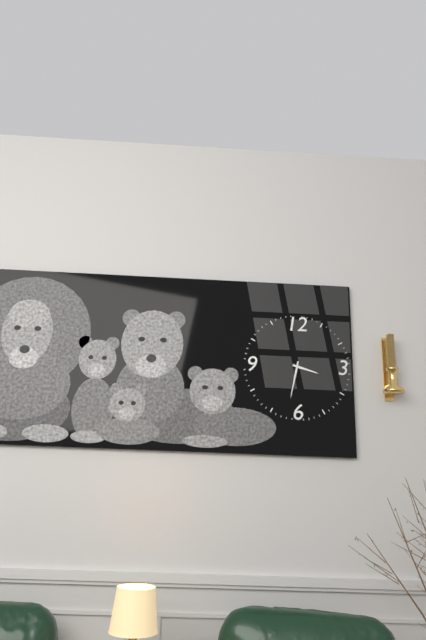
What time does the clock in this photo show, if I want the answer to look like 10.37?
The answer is 3.32
